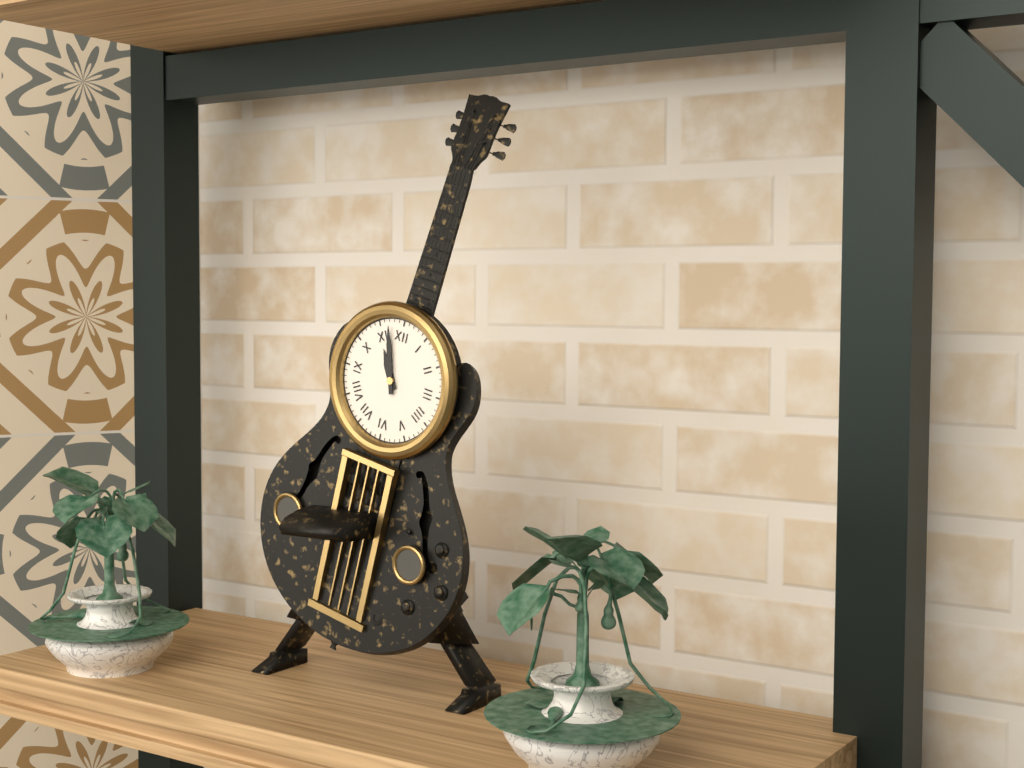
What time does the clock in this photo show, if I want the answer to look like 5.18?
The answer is 10.57
